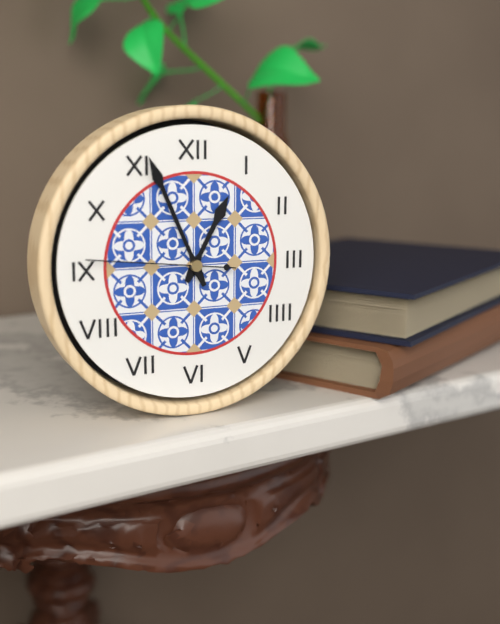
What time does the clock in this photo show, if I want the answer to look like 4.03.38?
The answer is 12.56.46
